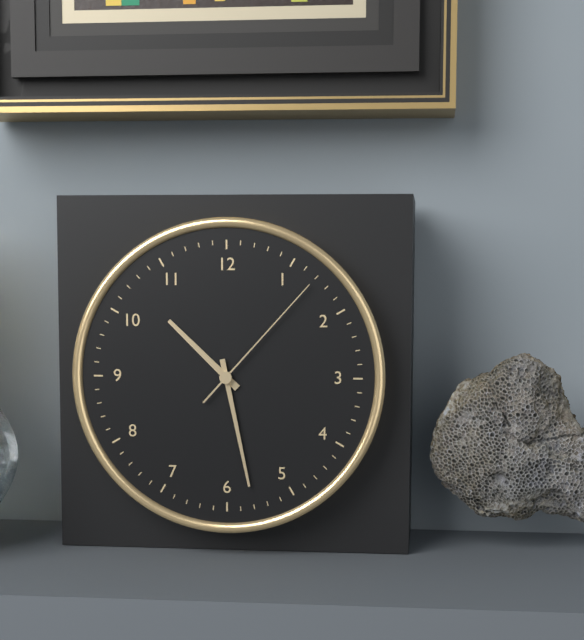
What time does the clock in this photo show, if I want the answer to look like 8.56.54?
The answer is 10.28.07
